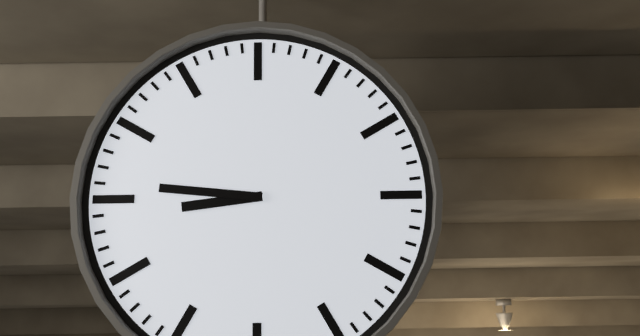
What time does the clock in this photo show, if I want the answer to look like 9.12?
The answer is 8.46
